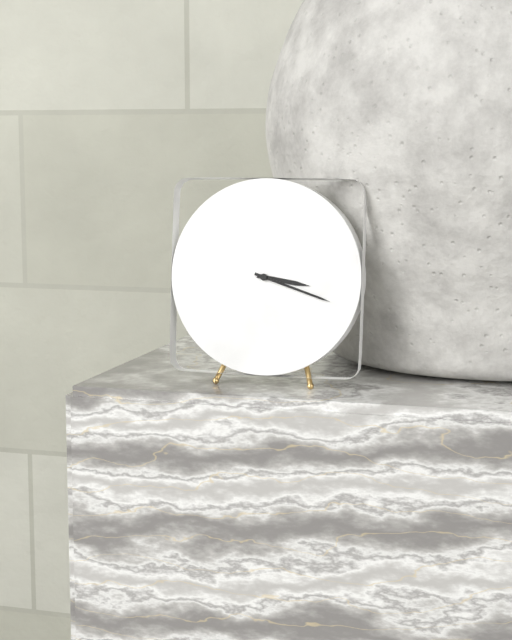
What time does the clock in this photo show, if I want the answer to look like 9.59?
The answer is 3.18
